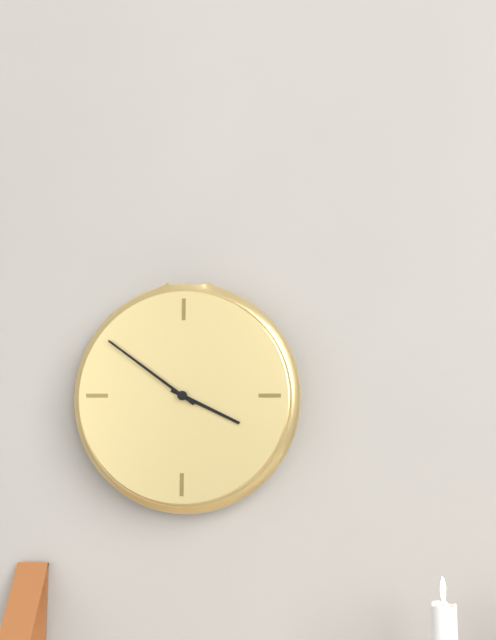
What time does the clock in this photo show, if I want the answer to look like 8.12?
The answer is 3.51
